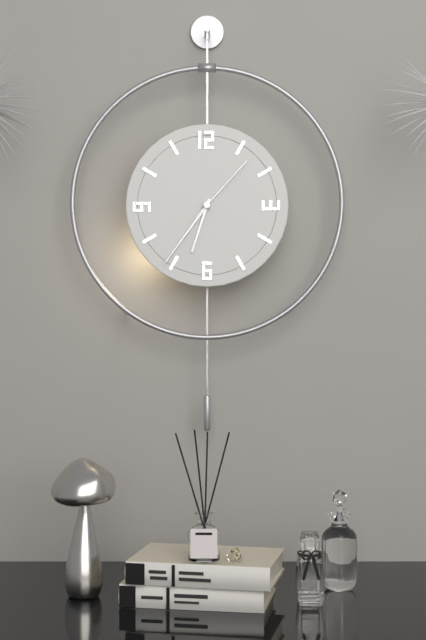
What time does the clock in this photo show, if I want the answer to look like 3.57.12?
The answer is 6.36.07
